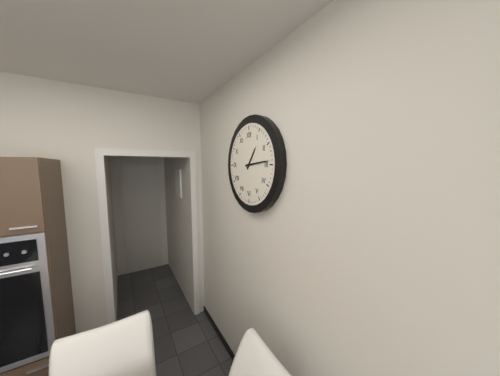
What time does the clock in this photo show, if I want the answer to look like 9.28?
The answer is 1.14
